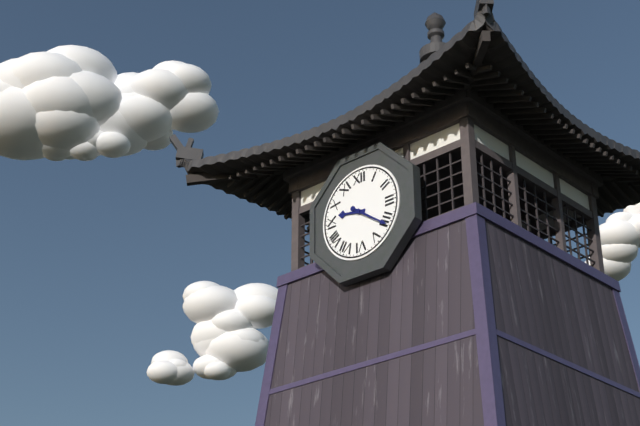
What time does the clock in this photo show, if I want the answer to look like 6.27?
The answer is 9.21
